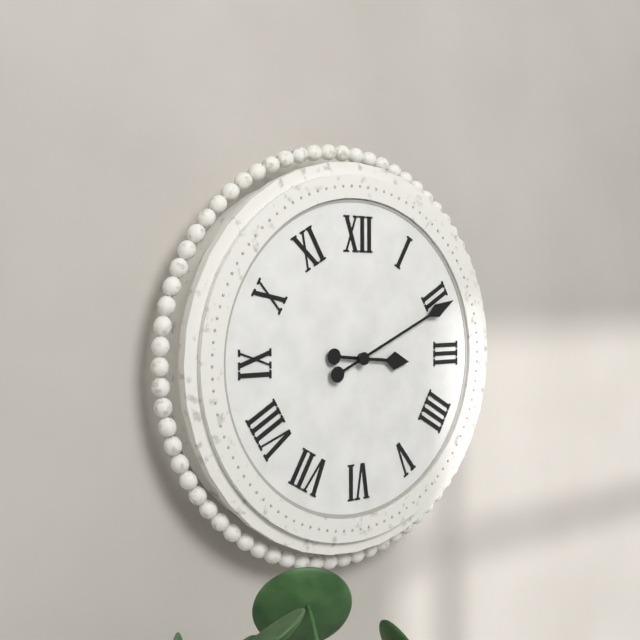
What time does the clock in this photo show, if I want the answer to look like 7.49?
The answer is 3.11
